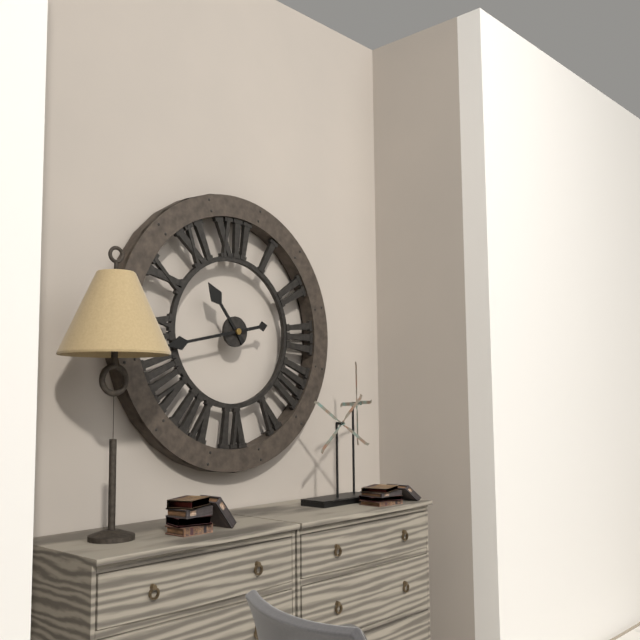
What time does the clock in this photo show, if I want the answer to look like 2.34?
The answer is 10.43
